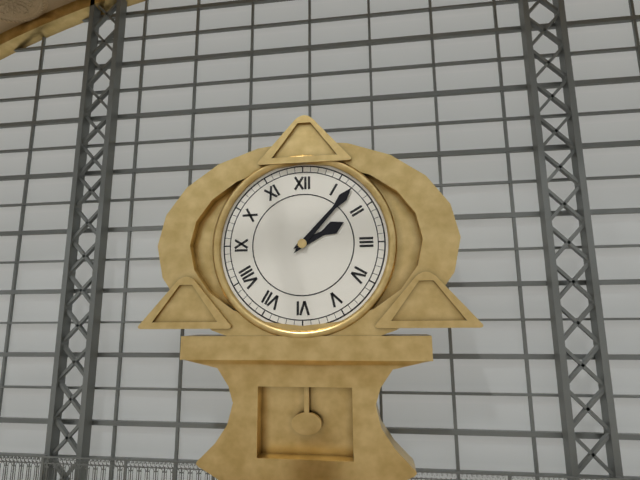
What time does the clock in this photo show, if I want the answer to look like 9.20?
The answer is 2.07
